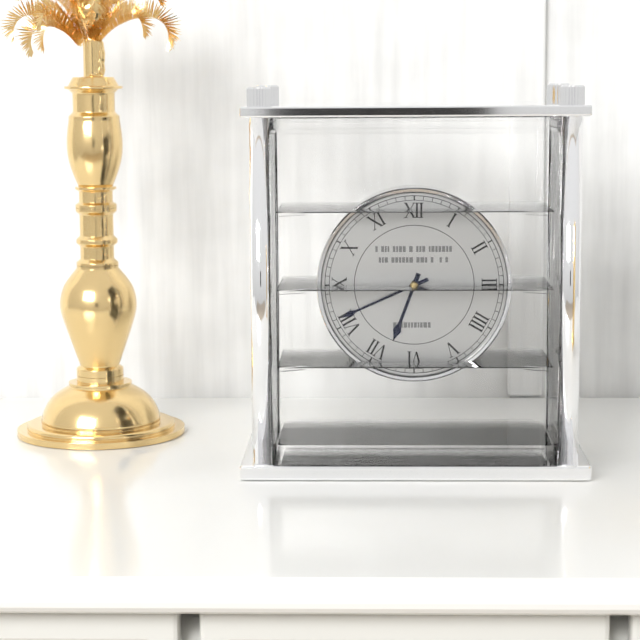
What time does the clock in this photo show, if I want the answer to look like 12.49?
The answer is 6.41
